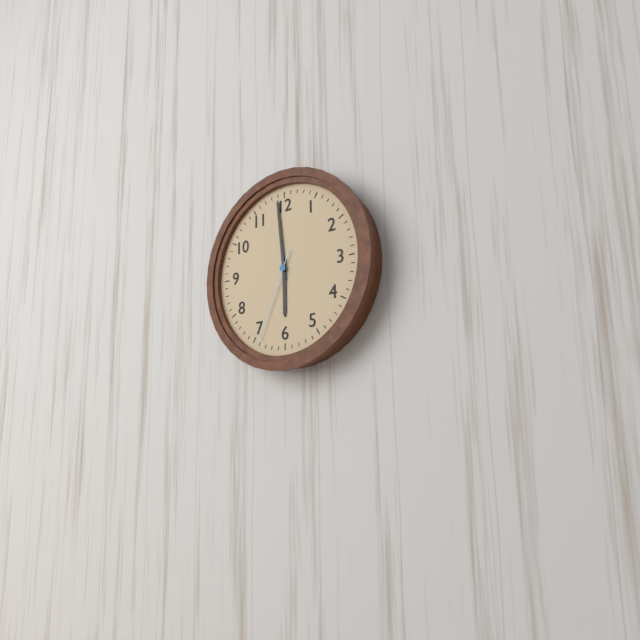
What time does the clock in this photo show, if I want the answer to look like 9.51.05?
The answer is 5.59.34
